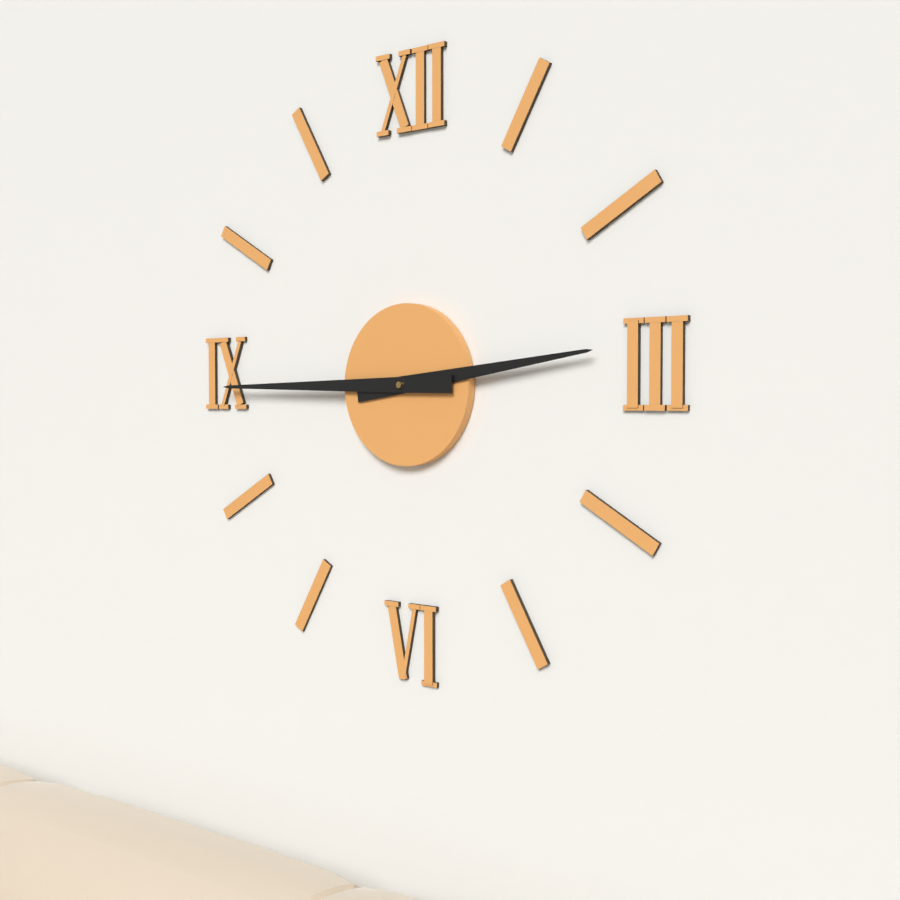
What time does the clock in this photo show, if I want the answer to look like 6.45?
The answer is 2.45
